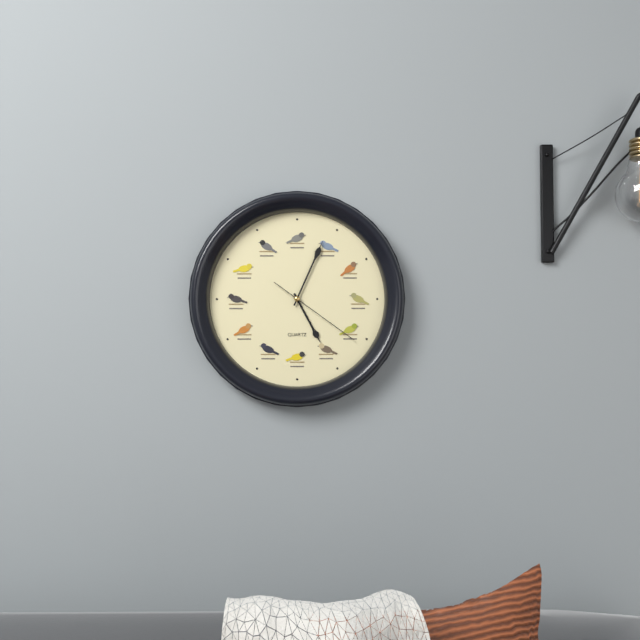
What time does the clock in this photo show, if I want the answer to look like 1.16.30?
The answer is 5.04.21
